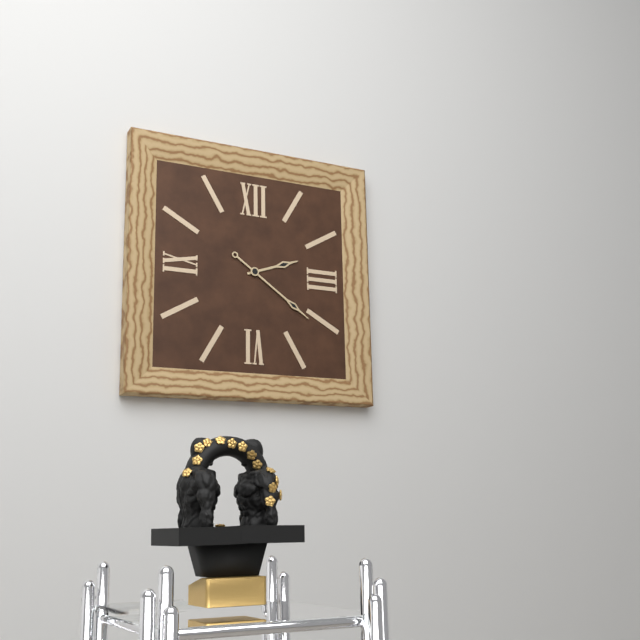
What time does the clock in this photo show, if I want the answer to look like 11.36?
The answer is 2.21
